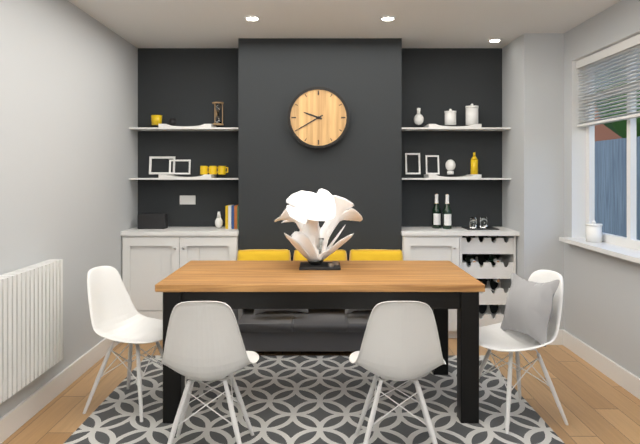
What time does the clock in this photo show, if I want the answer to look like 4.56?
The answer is 9.40
